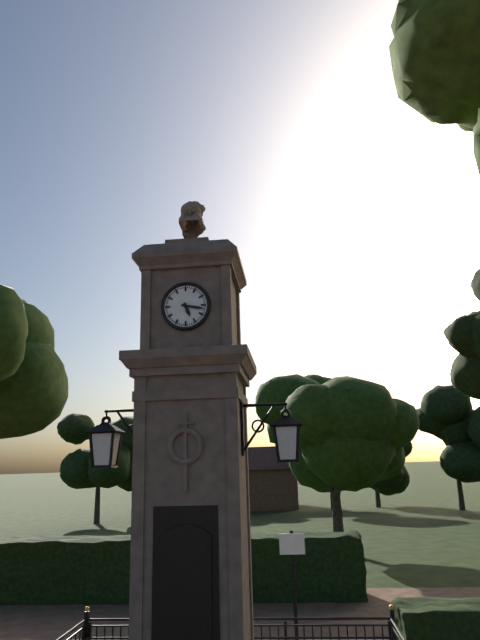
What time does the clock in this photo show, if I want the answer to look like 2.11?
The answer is 5.17
